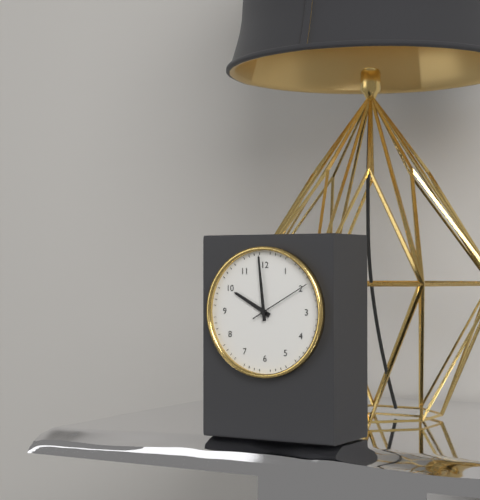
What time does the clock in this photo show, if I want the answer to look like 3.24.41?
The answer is 9.59.10
